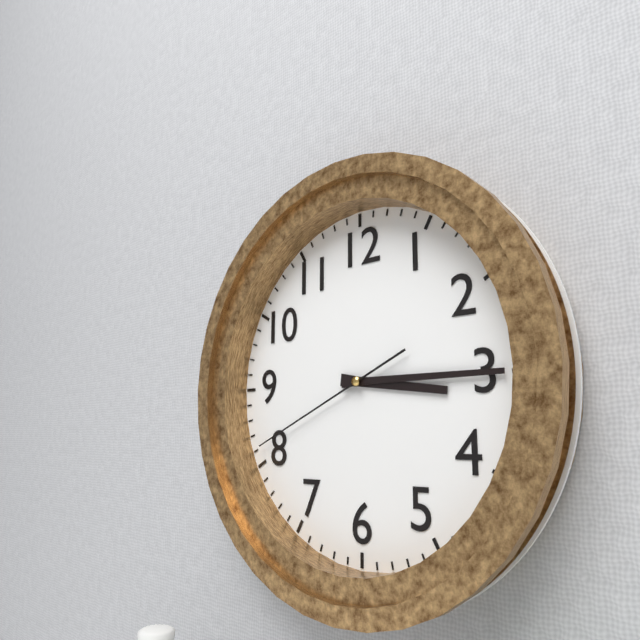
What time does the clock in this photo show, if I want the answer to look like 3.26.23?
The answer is 3.15.41
